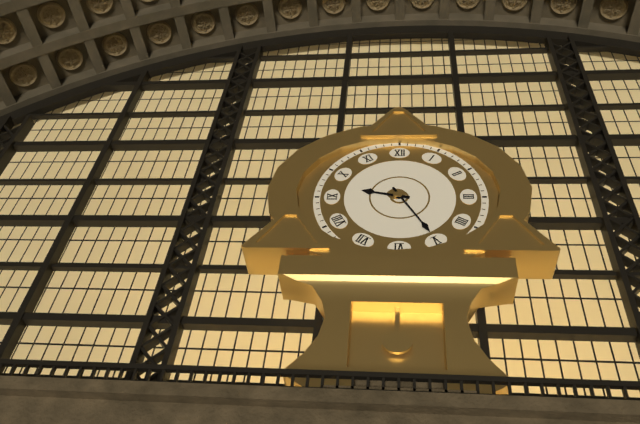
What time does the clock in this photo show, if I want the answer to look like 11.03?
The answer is 9.25
